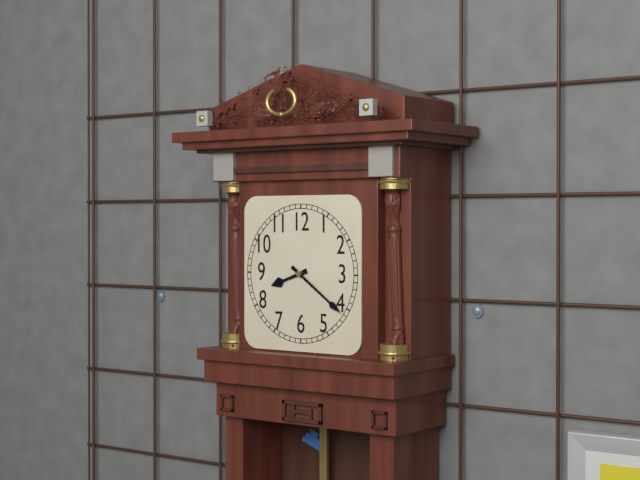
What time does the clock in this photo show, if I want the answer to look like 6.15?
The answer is 8.21
